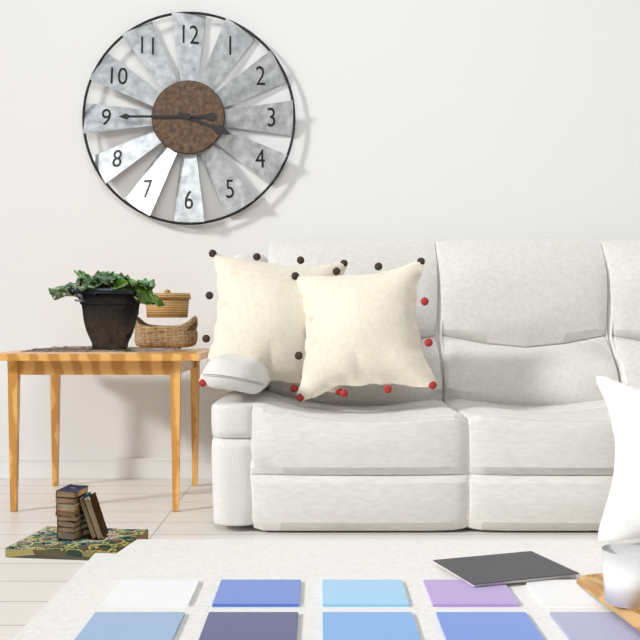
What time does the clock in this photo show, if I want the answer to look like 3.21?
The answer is 3.45
